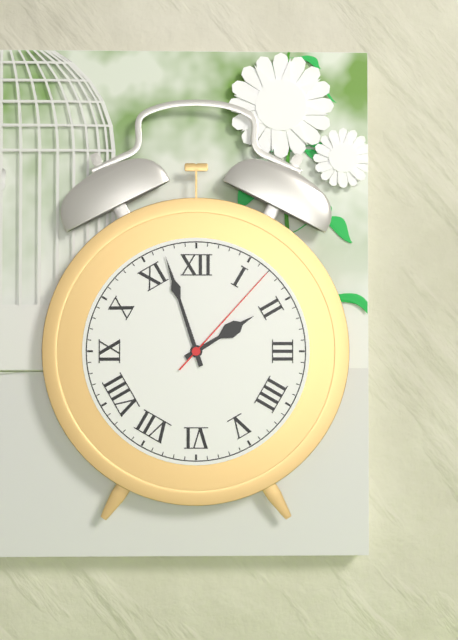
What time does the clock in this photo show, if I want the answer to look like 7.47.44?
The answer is 1.57.07
